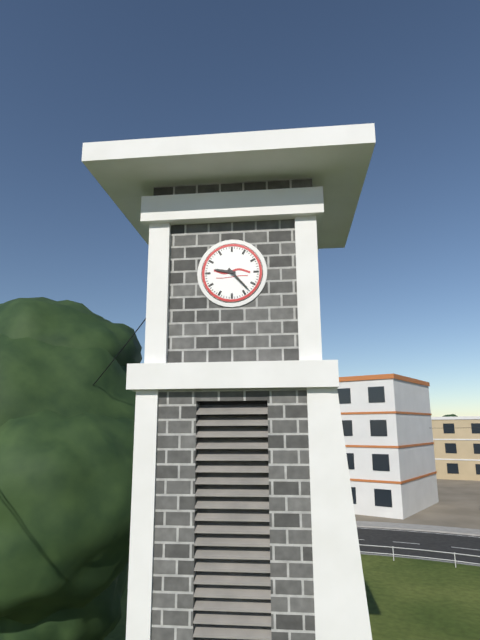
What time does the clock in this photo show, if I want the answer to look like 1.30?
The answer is 9.23
